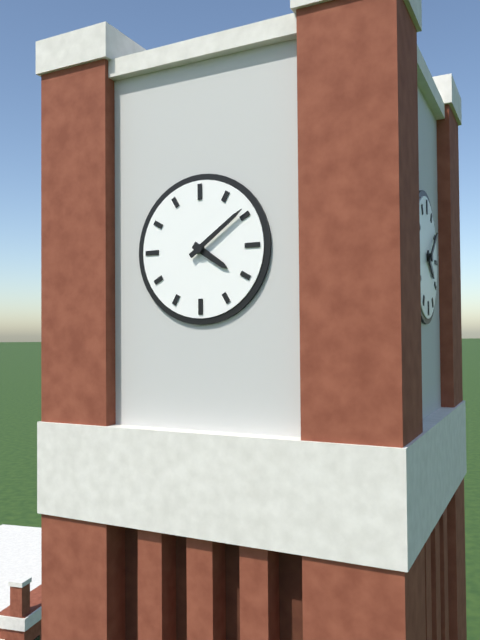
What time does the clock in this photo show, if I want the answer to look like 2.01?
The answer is 4.09
